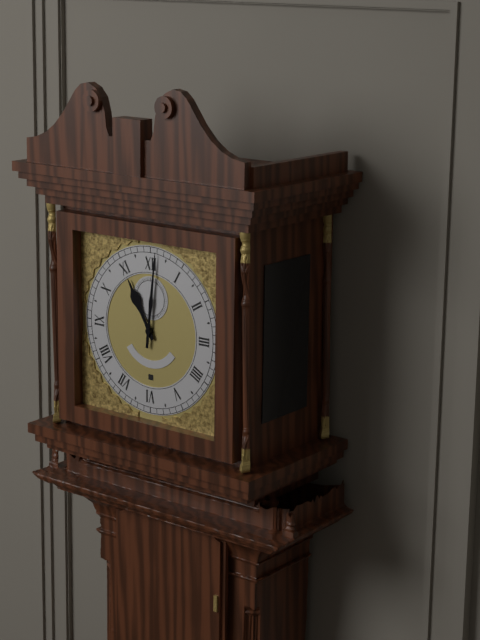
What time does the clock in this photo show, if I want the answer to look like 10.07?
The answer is 11.01
